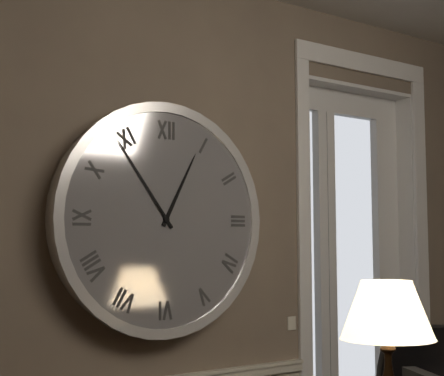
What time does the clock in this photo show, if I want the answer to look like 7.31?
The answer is 12.54
